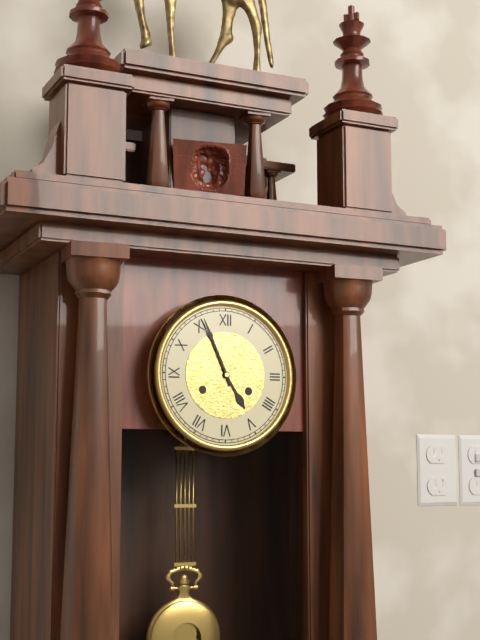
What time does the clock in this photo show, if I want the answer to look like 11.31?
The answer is 4.56
